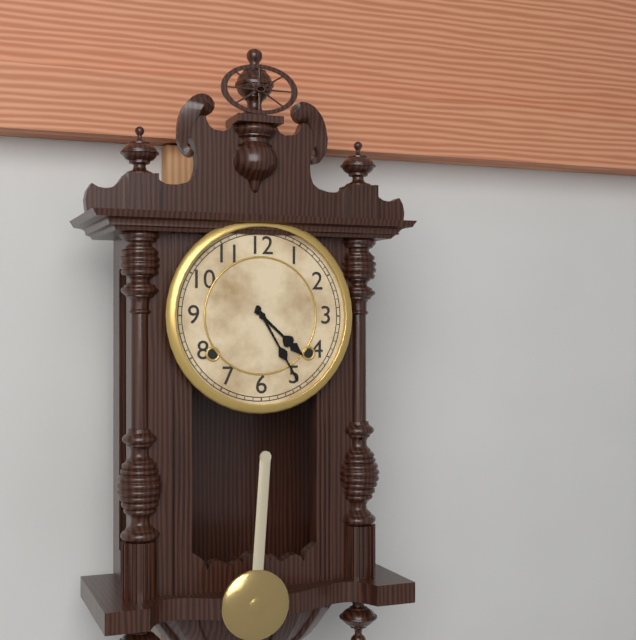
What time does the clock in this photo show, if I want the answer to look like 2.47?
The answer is 4.25
